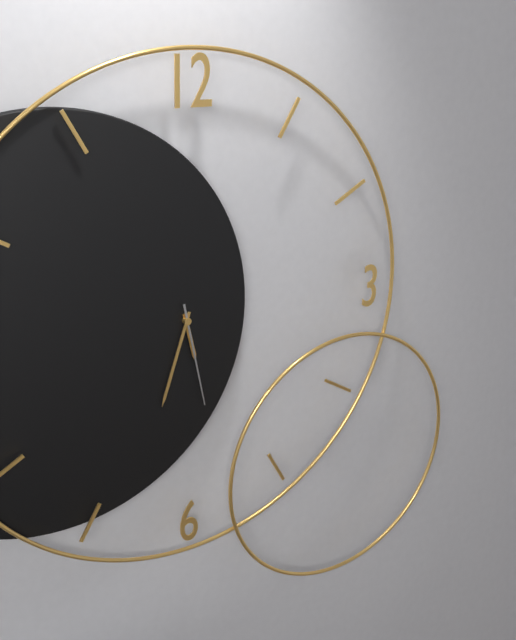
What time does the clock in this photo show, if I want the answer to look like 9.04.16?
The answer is 5.33.28
